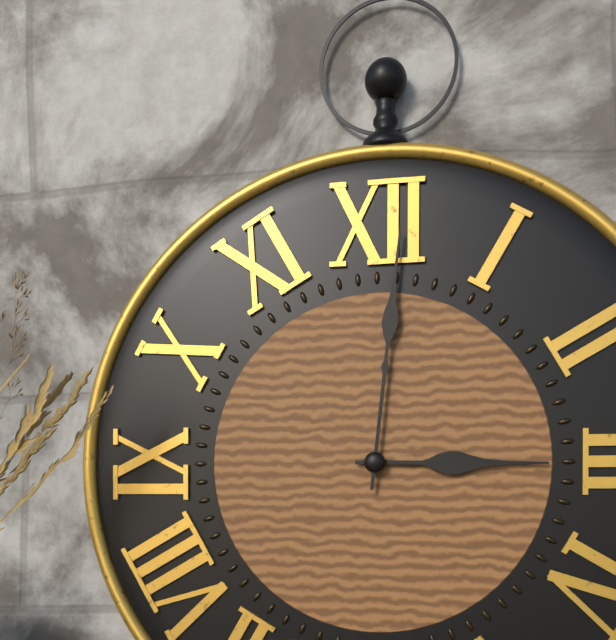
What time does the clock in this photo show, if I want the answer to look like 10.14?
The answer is 3.01
